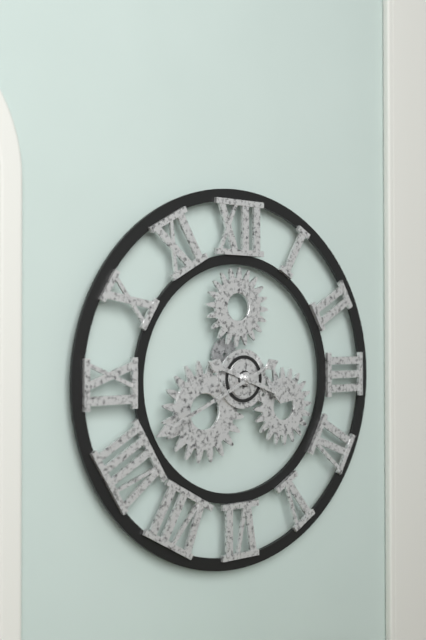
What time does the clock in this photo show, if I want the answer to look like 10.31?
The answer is 3.41
